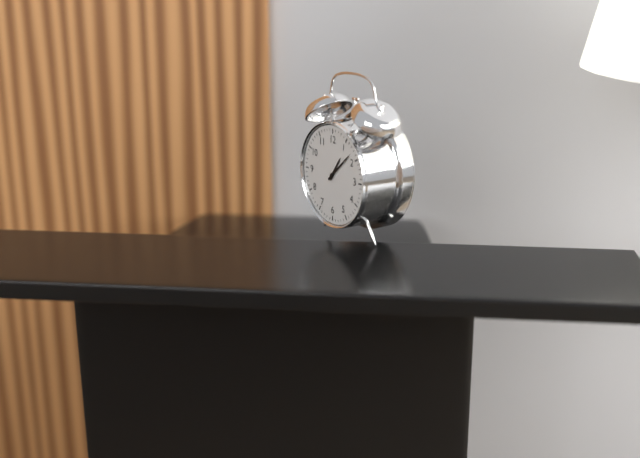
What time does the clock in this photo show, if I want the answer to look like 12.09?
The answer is 1.08
